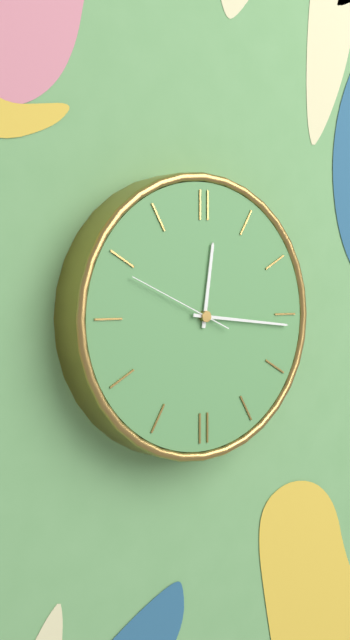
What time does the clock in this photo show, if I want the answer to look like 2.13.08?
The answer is 12.16.49
